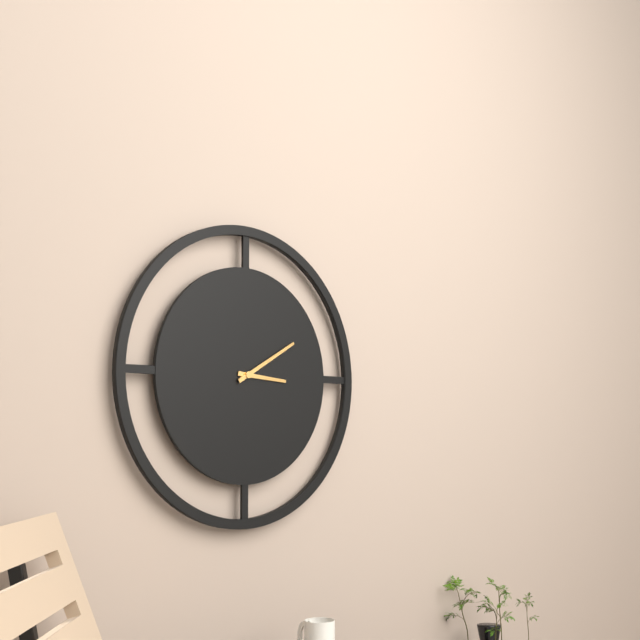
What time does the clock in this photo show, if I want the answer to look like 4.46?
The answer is 3.10
